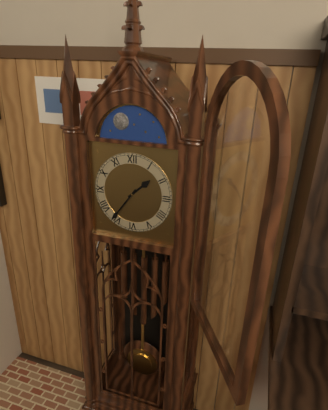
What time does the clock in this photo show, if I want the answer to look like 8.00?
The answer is 1.36
